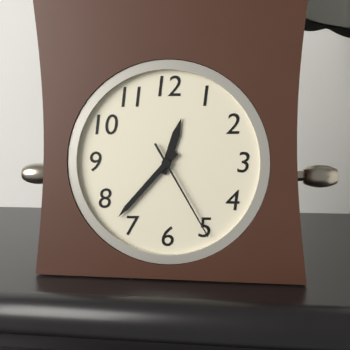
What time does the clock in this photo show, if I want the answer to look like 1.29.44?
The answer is 12.37.25
